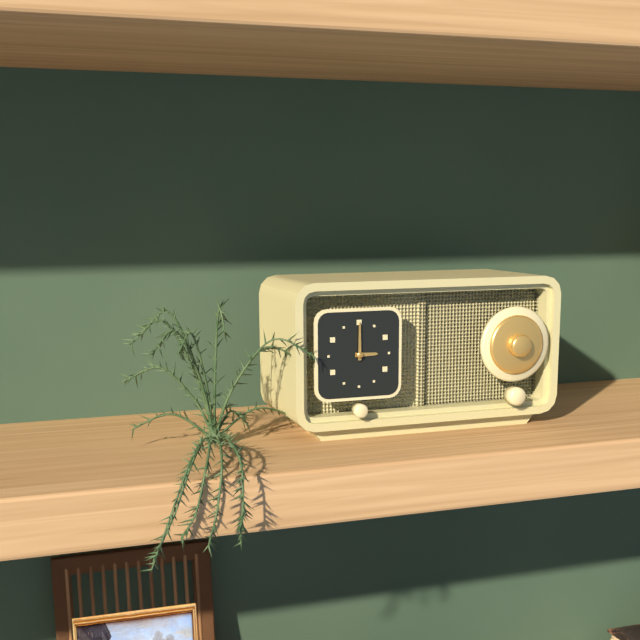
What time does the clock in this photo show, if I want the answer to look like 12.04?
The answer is 3.00
